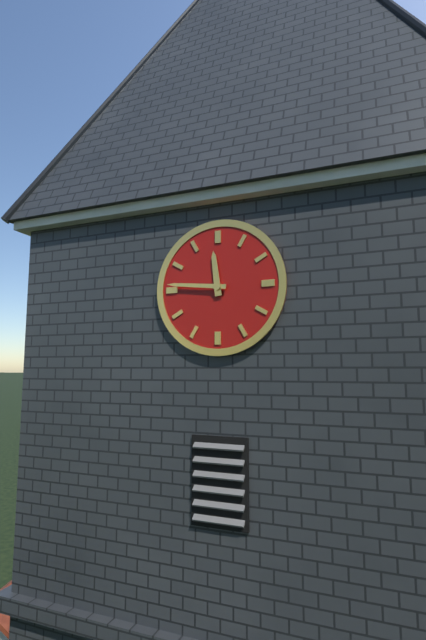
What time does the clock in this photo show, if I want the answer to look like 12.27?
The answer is 11.46
